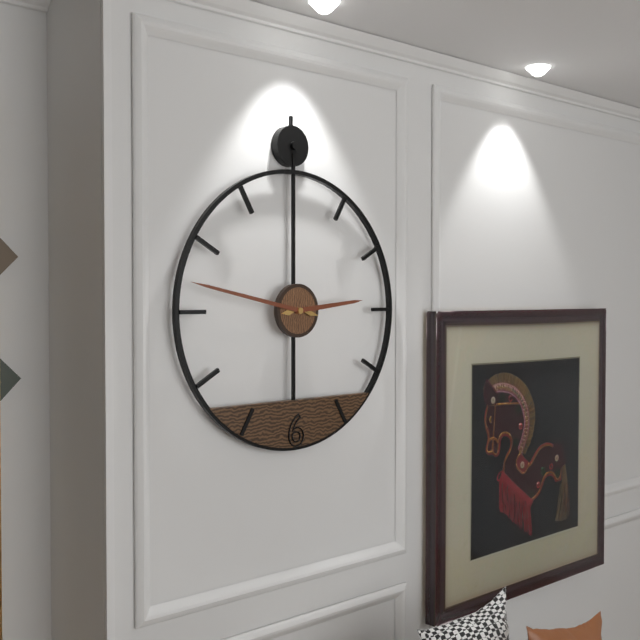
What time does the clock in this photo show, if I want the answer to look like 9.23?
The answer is 2.47
